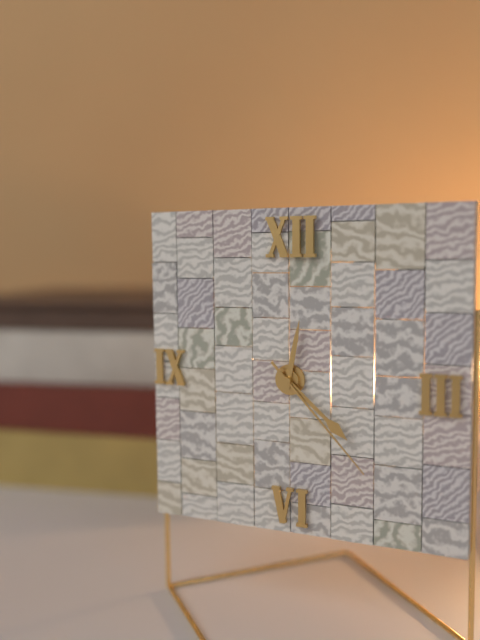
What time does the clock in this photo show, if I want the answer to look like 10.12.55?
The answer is 12.22.23
